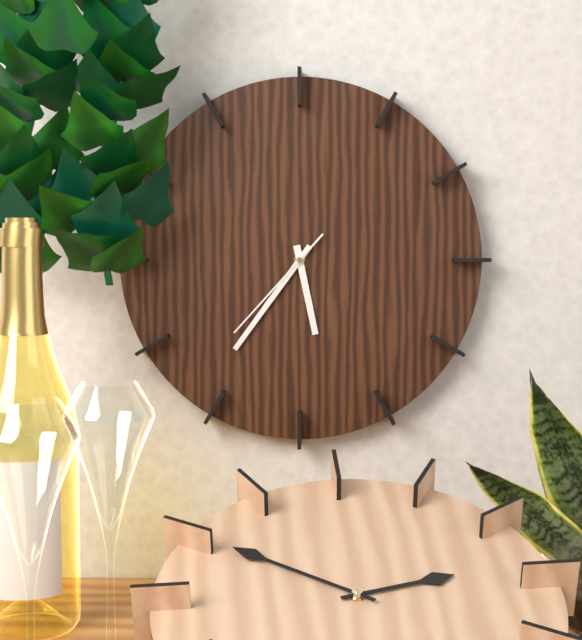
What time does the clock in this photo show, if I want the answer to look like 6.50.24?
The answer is 5.36.37
